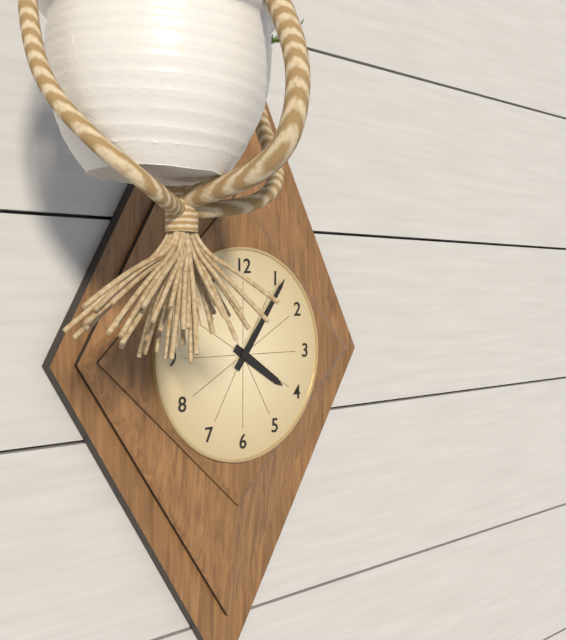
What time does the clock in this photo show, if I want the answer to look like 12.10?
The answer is 4.06
